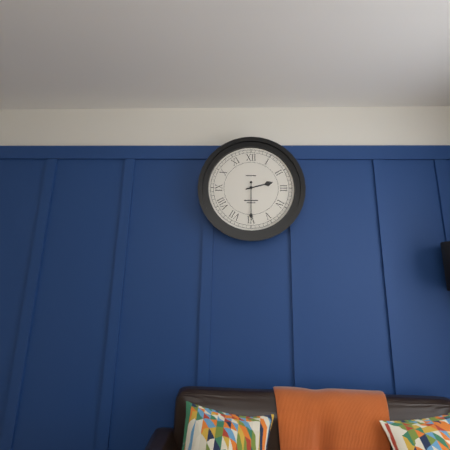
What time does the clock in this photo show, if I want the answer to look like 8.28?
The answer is 2.30
